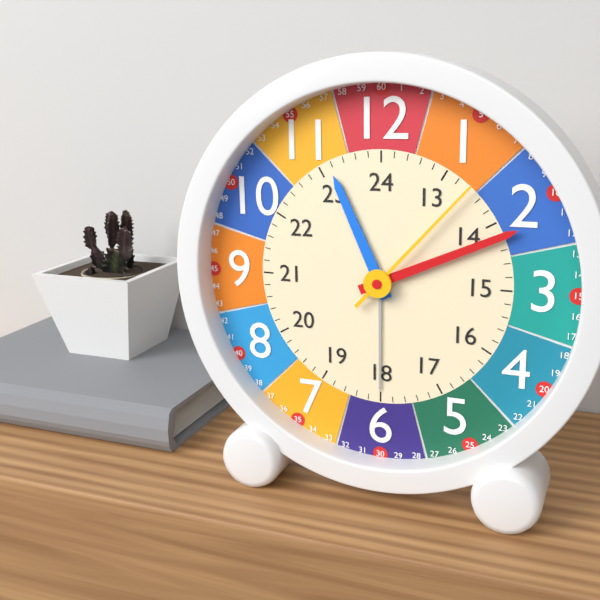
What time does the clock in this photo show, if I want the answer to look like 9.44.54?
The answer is 11.11.07
